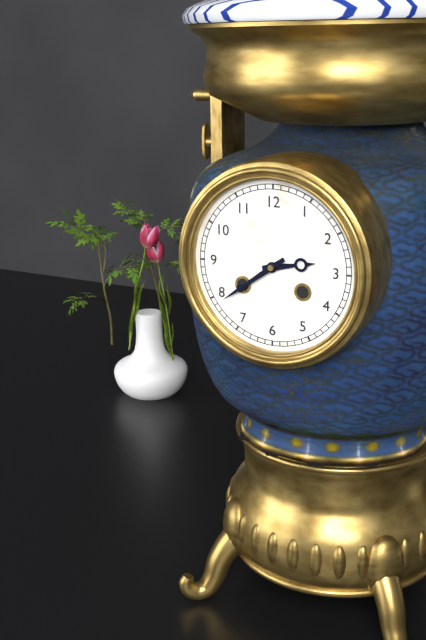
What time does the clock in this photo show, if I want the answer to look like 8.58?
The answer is 2.39
